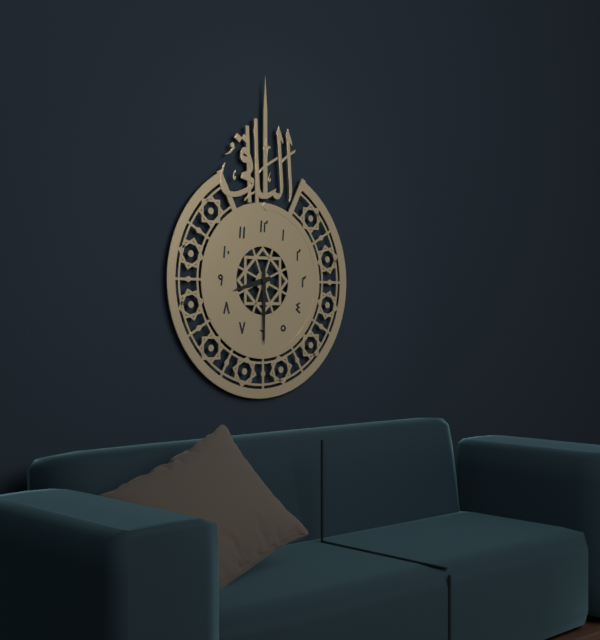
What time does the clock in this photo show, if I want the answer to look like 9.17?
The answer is 8.30
